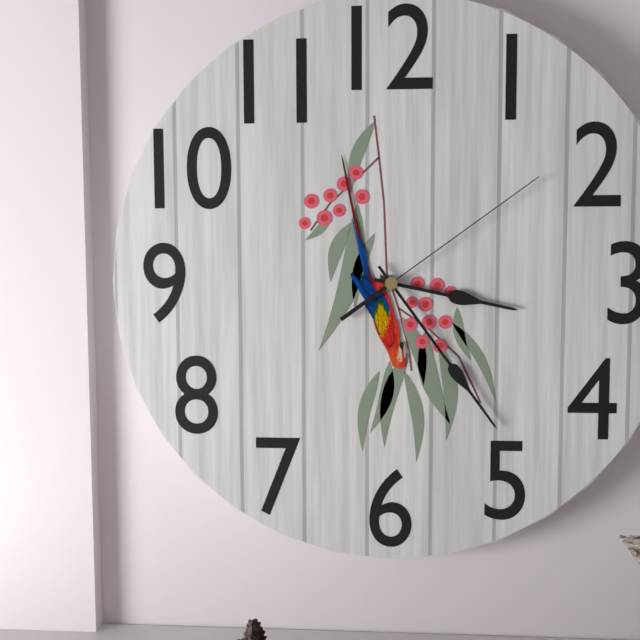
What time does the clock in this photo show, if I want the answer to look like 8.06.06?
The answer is 3.24.09
